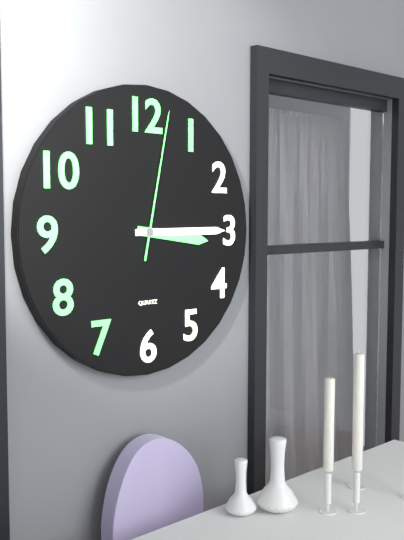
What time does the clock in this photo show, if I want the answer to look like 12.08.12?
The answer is 3.15.02
